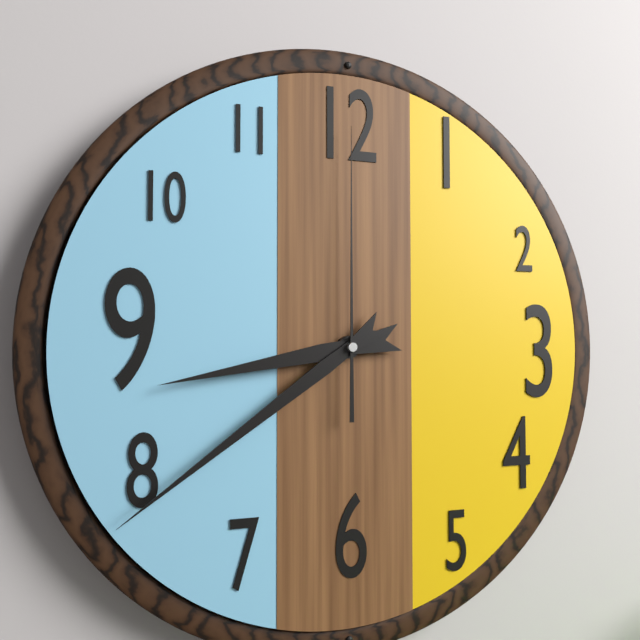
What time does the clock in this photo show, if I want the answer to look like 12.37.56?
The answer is 8.39.00
